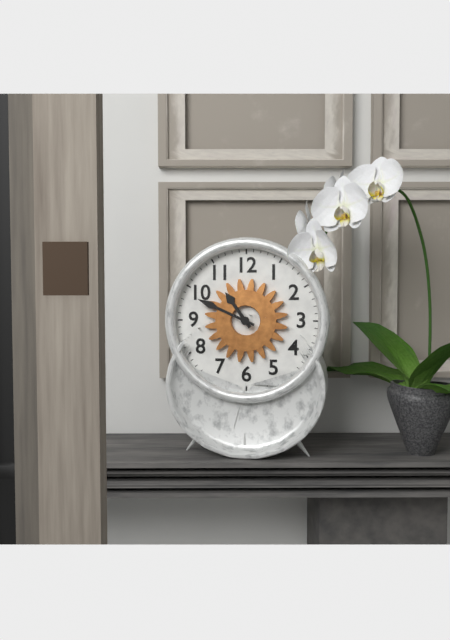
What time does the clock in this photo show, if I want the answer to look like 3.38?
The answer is 10.49
